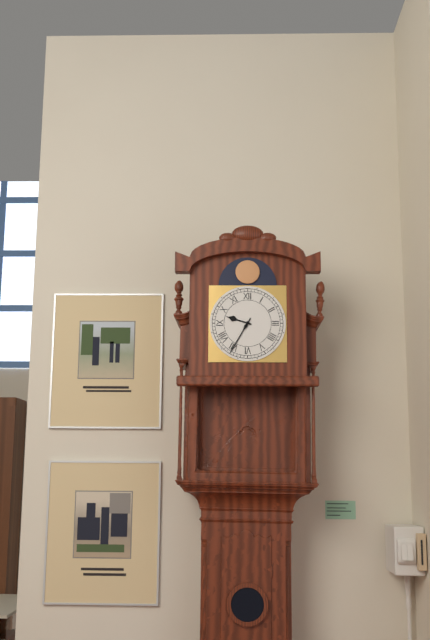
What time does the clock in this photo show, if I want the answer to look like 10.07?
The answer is 9.35
